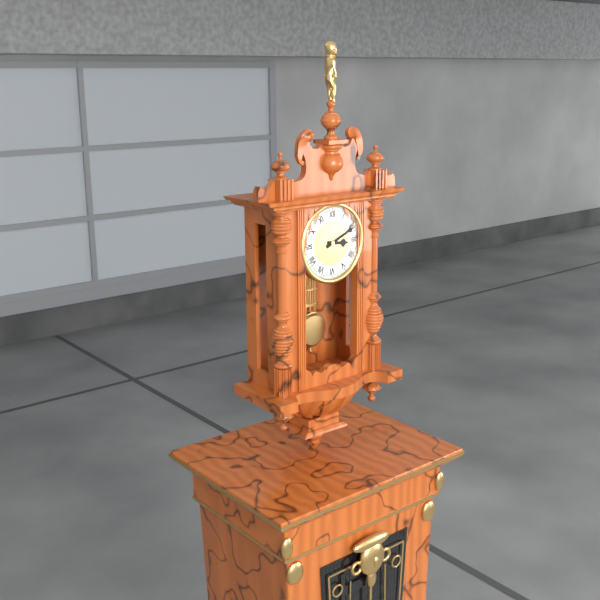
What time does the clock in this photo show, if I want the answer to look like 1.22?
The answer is 3.11
